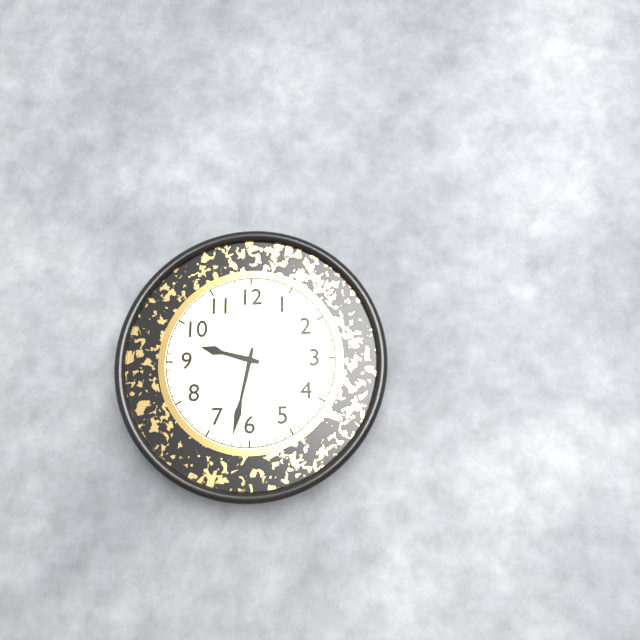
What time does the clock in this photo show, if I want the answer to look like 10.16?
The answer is 9.32
